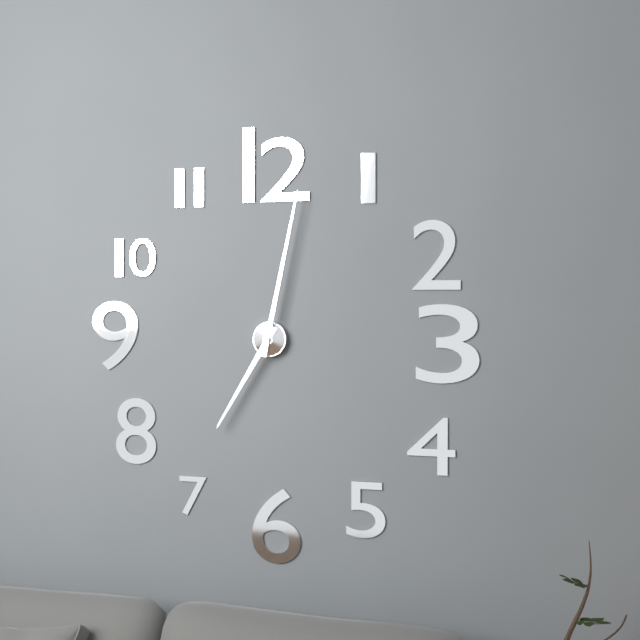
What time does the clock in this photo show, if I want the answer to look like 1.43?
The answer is 7.02
